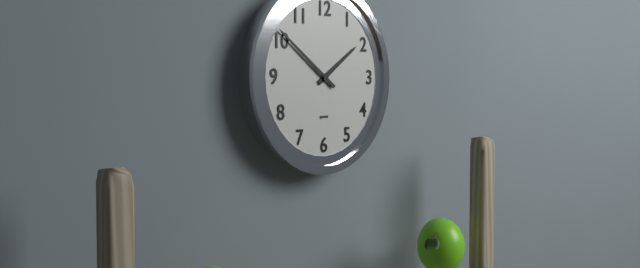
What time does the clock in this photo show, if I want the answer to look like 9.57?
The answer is 1.51
